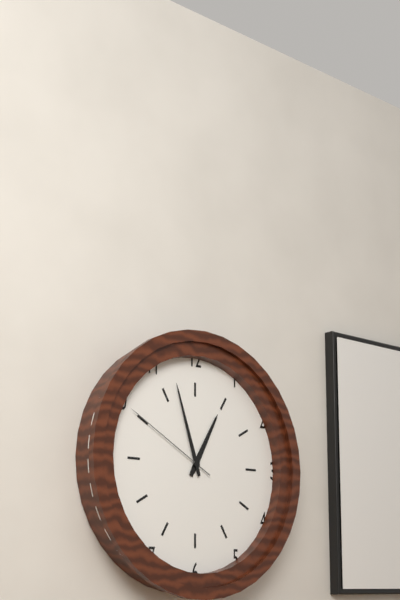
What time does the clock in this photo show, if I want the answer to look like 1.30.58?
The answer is 12.57.50
